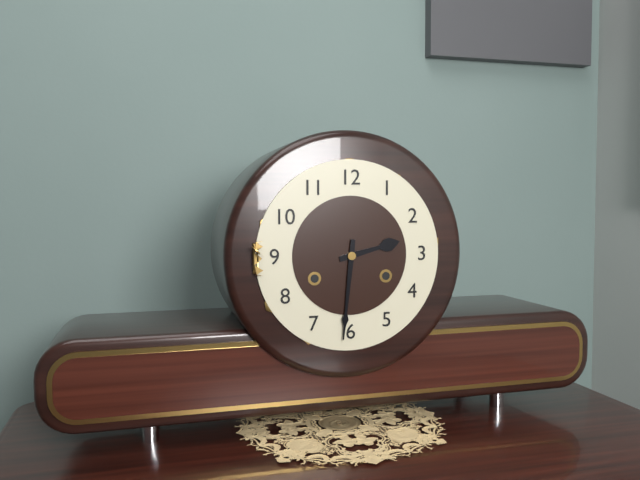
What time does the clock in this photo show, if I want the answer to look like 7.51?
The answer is 2.31
